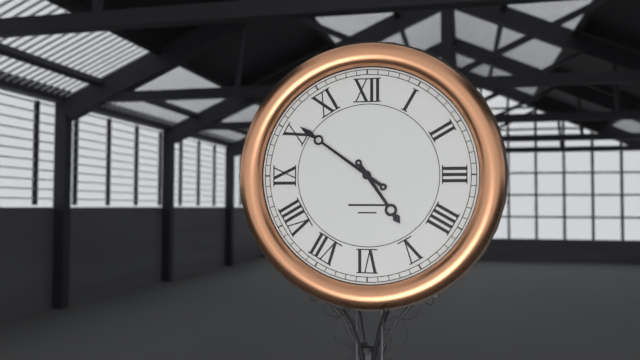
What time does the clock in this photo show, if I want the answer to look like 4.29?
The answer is 4.51
